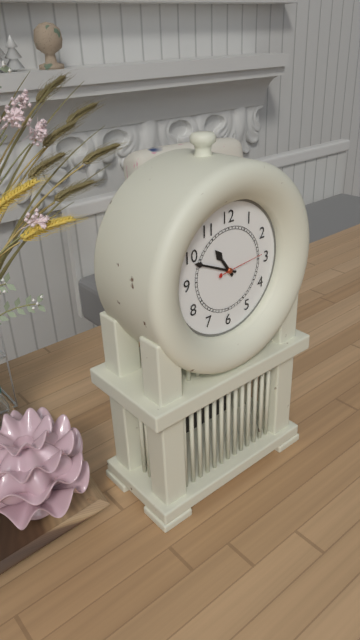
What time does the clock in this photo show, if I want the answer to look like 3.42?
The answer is 10.49
